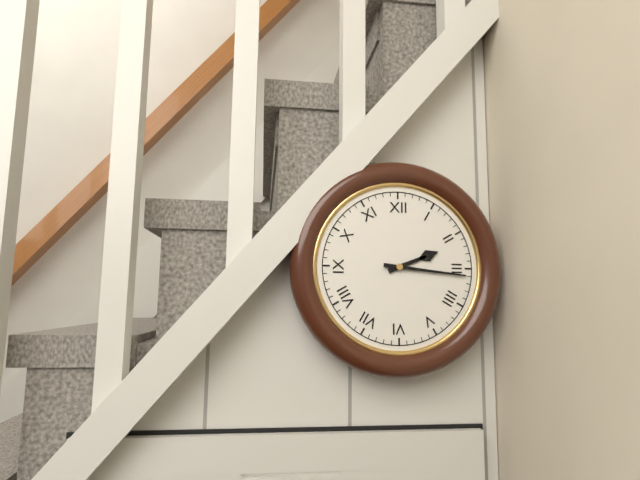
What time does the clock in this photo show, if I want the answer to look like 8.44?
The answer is 2.16
